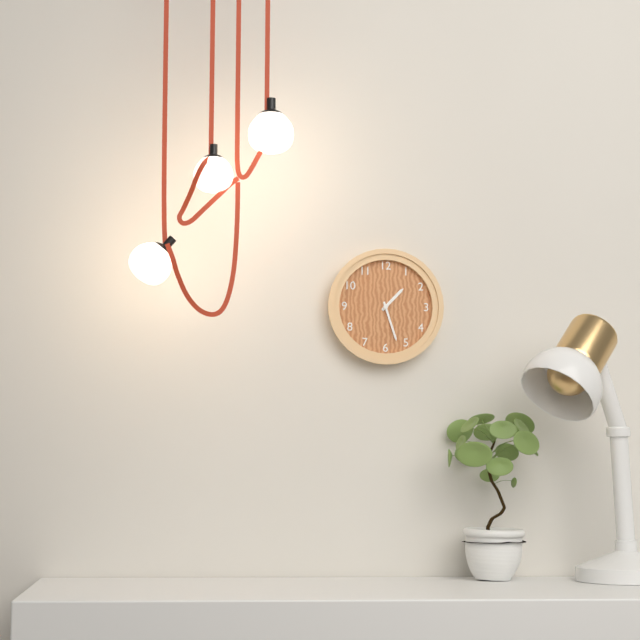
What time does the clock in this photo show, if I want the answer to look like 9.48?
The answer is 1.27
